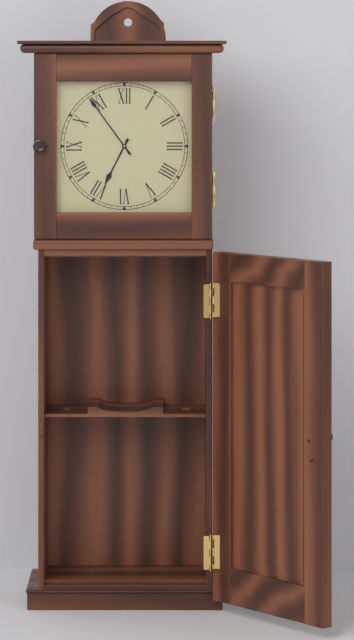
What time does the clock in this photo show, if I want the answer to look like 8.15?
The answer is 6.54
